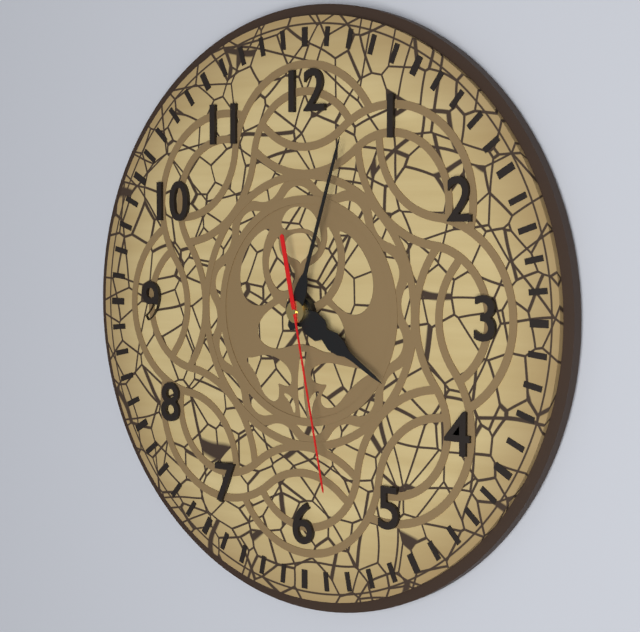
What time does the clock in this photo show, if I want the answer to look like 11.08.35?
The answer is 4.03.28
